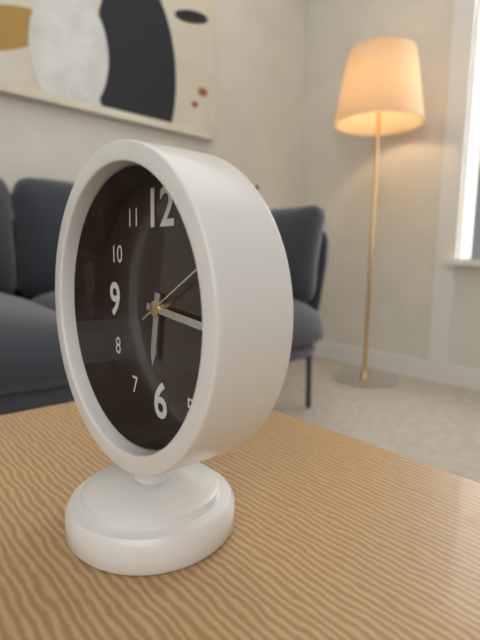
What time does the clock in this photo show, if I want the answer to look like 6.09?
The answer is 6.16
